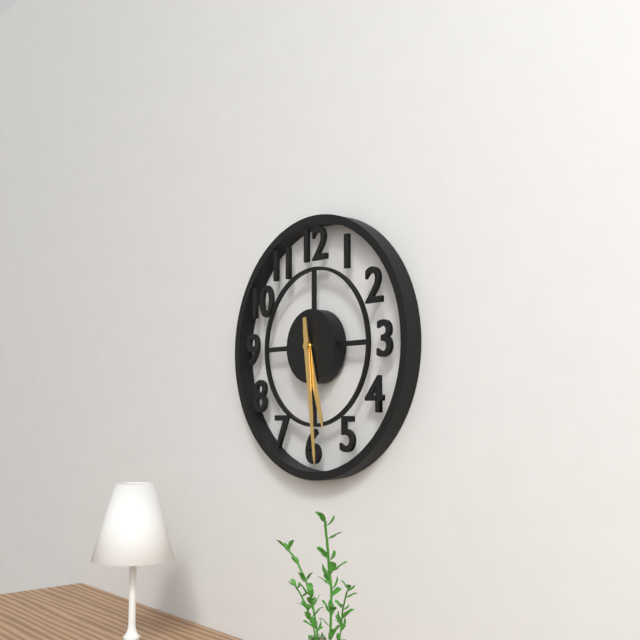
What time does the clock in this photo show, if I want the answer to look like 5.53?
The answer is 5.29
